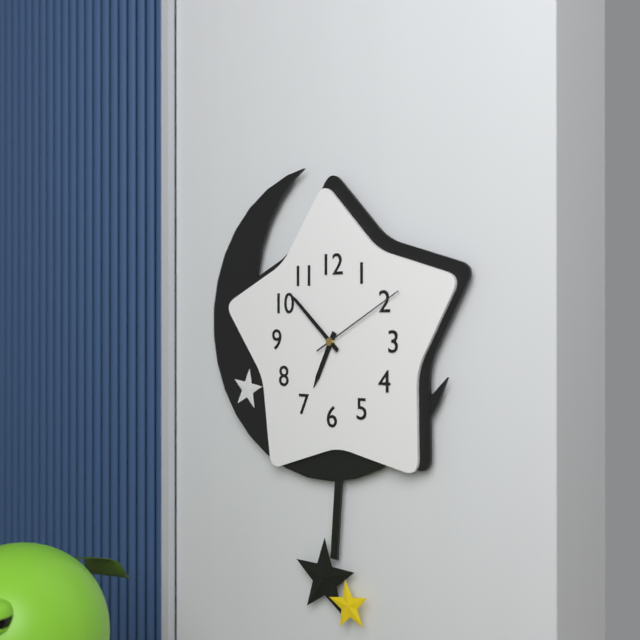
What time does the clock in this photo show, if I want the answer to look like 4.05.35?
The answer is 6.52.10
